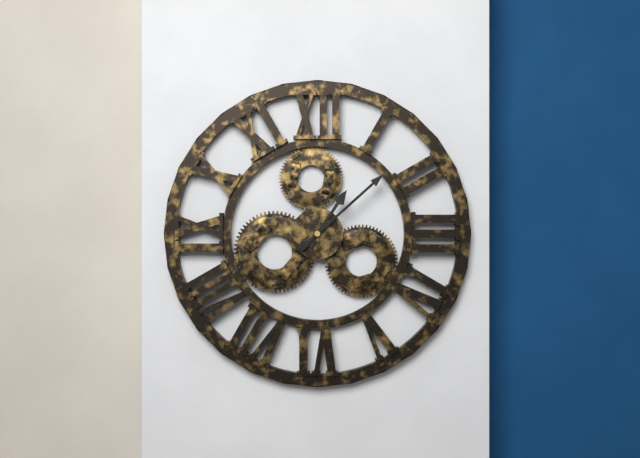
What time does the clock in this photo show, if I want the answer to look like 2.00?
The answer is 1.08
